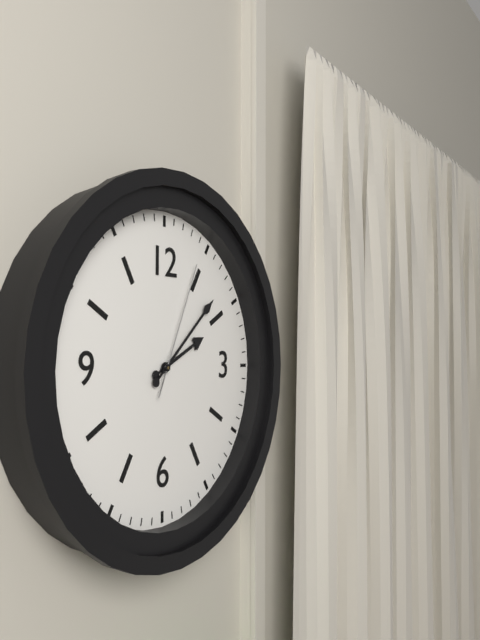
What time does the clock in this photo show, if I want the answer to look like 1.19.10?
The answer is 2.08.04
